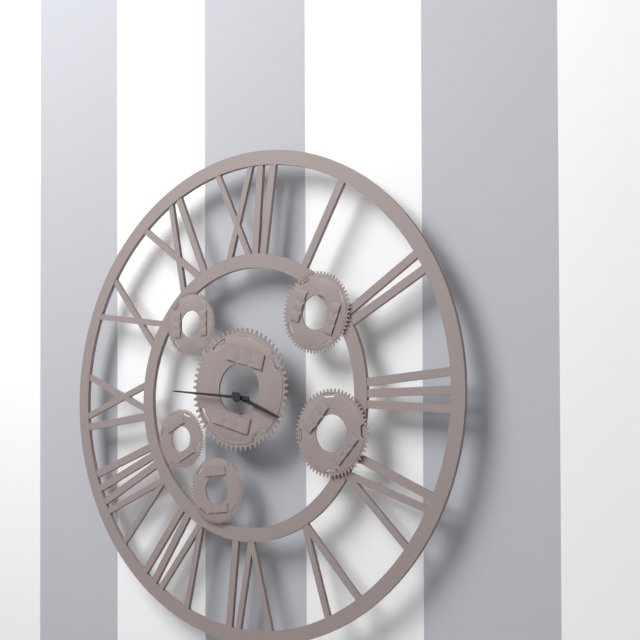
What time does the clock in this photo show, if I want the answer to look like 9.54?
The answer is 3.46
